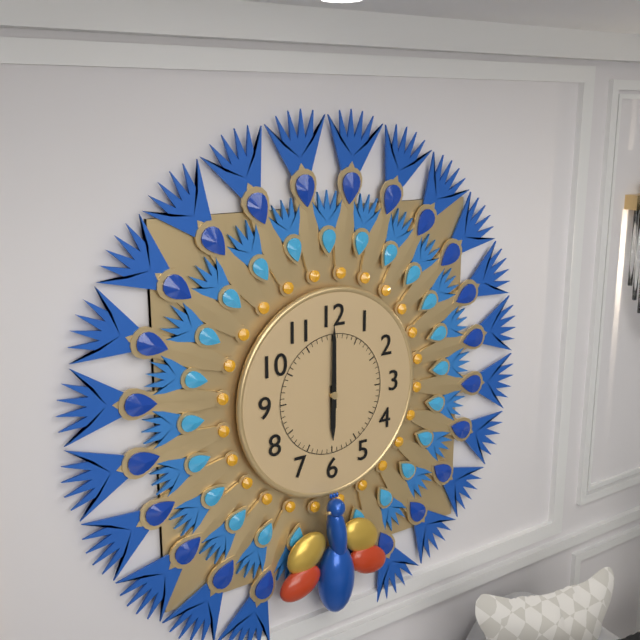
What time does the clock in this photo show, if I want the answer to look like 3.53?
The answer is 6.00
